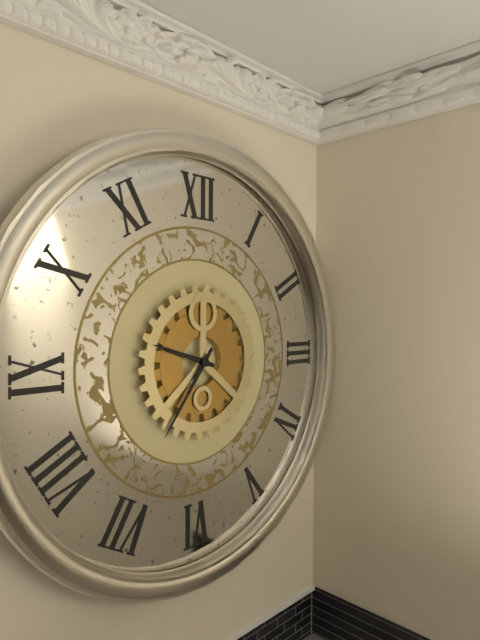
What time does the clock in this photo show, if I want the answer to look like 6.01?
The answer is 9.36
